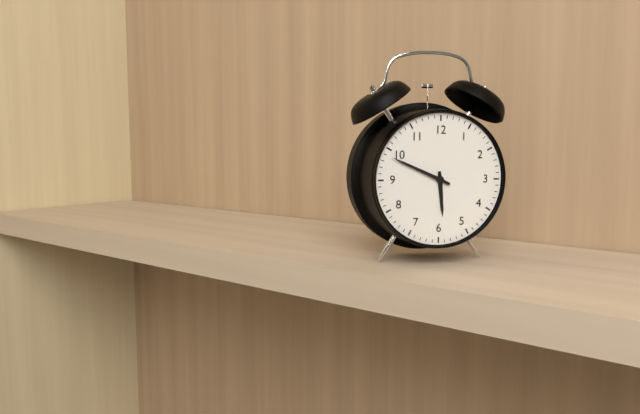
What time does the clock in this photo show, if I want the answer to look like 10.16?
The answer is 5.49
